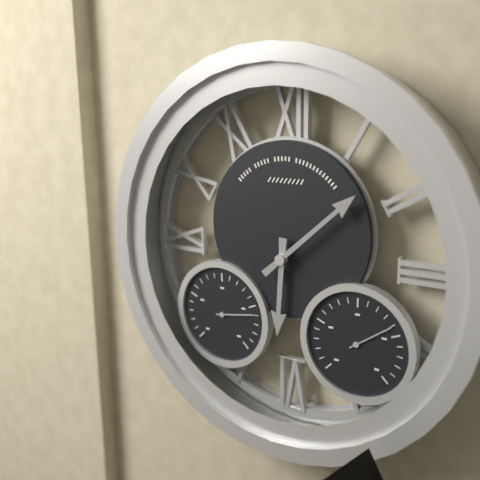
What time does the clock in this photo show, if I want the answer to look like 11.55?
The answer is 6.08
